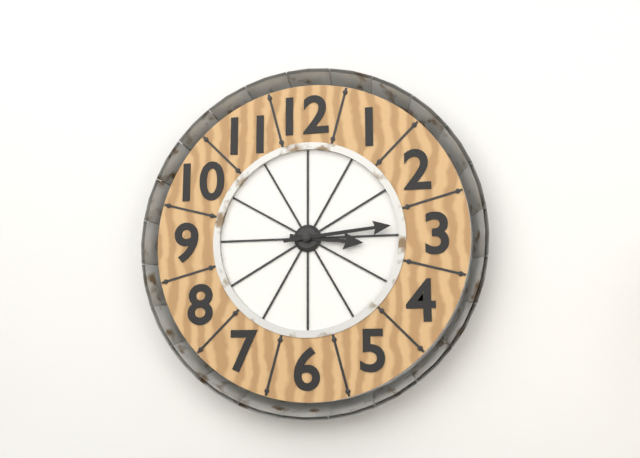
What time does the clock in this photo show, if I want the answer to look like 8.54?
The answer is 3.14
